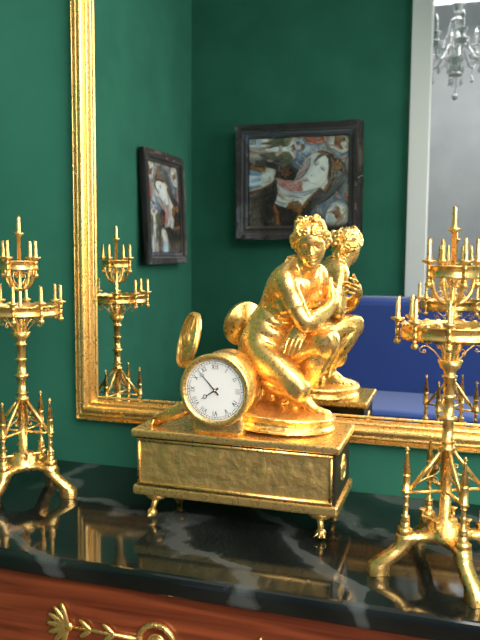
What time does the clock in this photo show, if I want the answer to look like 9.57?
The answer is 7.53
